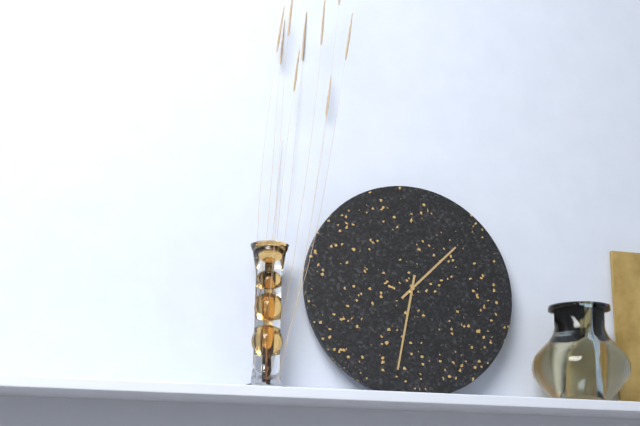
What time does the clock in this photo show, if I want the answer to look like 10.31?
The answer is 1.32
